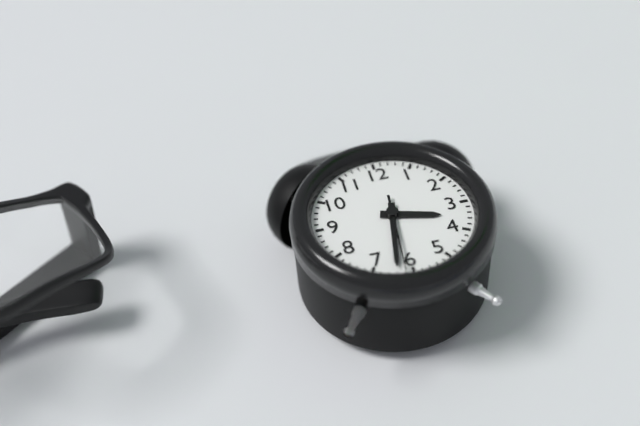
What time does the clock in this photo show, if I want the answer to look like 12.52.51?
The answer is 3.32.31
